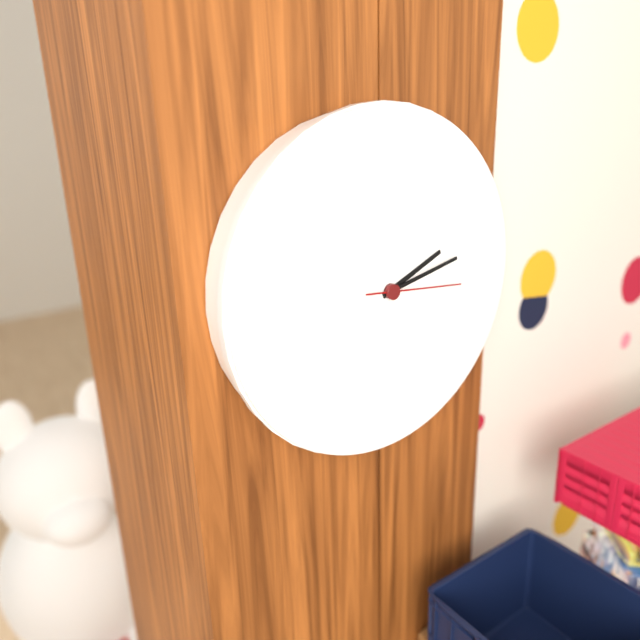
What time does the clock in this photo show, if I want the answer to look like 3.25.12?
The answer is 2.13.16
